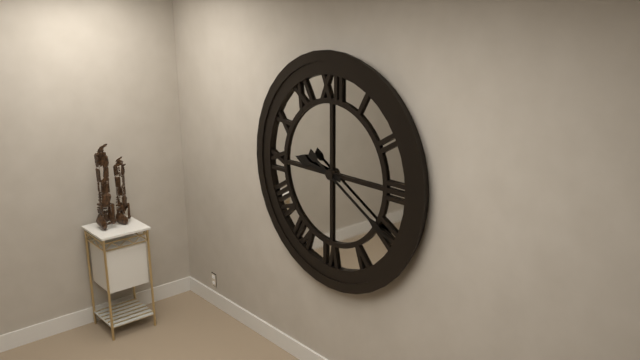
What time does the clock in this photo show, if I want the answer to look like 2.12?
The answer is 9.20
